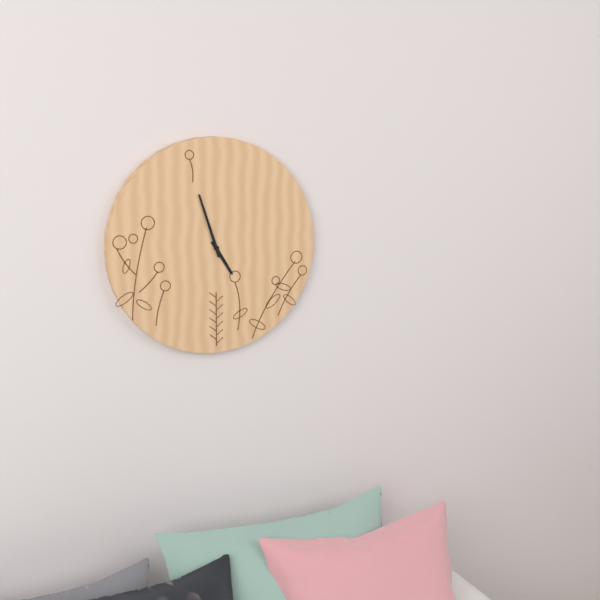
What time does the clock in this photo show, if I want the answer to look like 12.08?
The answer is 4.57
